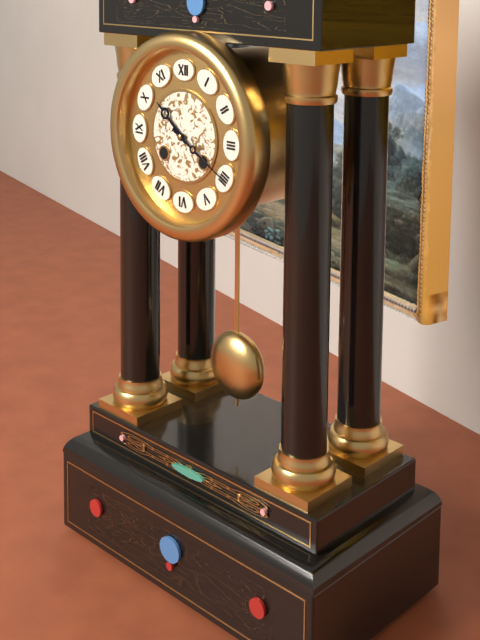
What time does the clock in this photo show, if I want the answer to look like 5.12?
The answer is 10.20
